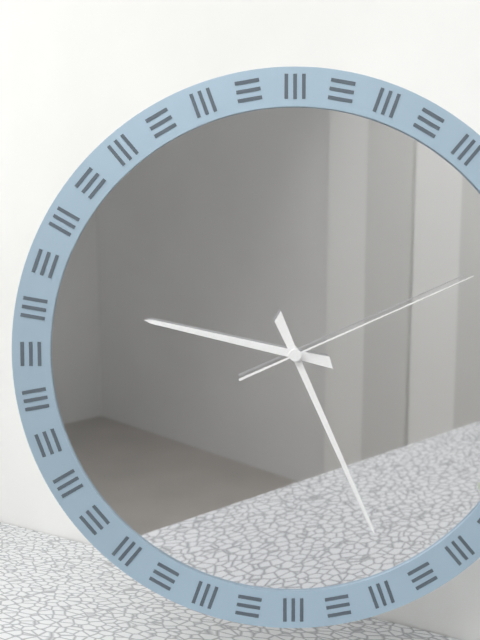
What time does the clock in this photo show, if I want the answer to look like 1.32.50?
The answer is 9.26.11
